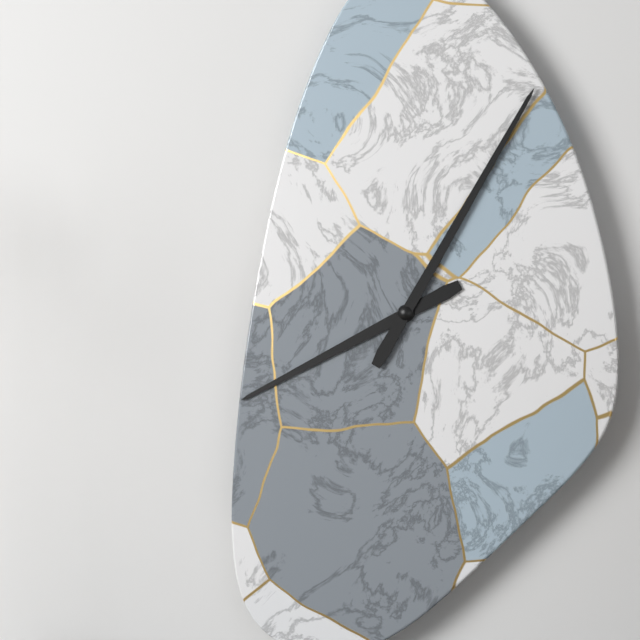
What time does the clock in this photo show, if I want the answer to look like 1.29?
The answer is 8.05
